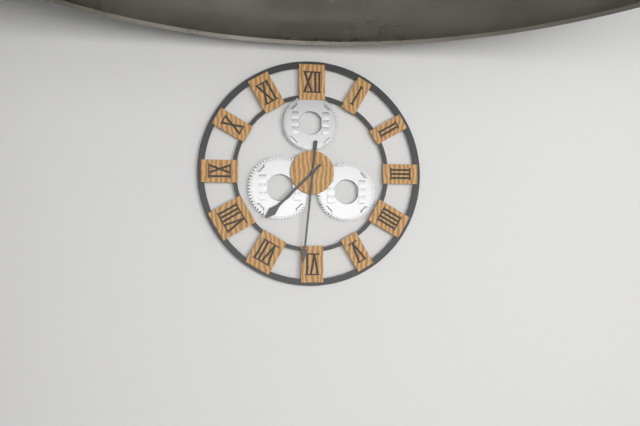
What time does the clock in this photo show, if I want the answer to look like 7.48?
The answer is 7.31
